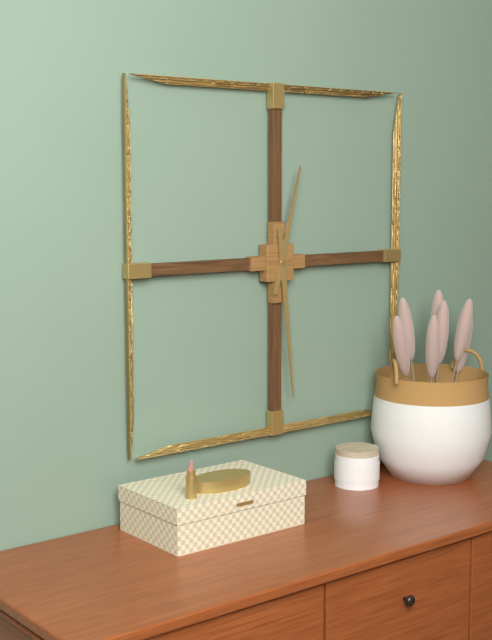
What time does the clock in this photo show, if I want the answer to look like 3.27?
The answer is 12.29
